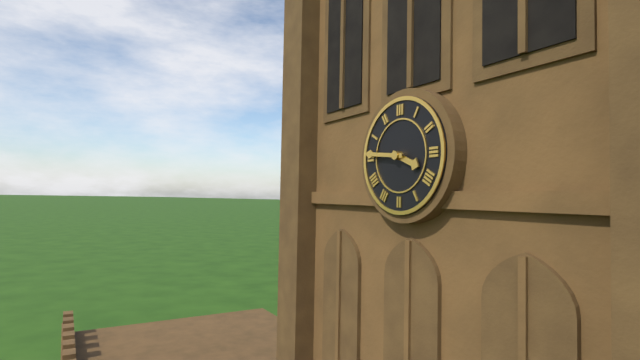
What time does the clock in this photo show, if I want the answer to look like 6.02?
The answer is 3.46
